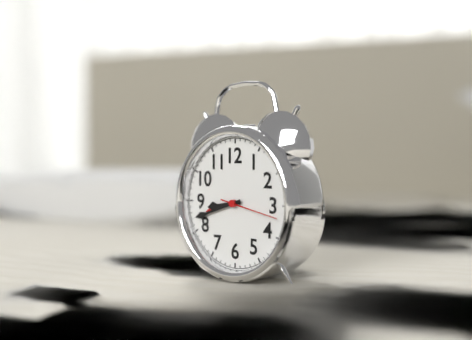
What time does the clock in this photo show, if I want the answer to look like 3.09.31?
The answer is 8.42.17
